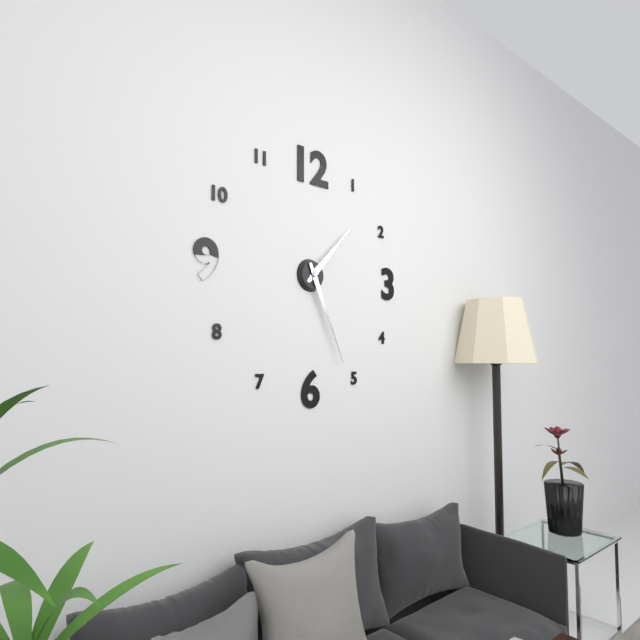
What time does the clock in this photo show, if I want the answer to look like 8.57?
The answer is 1.26
